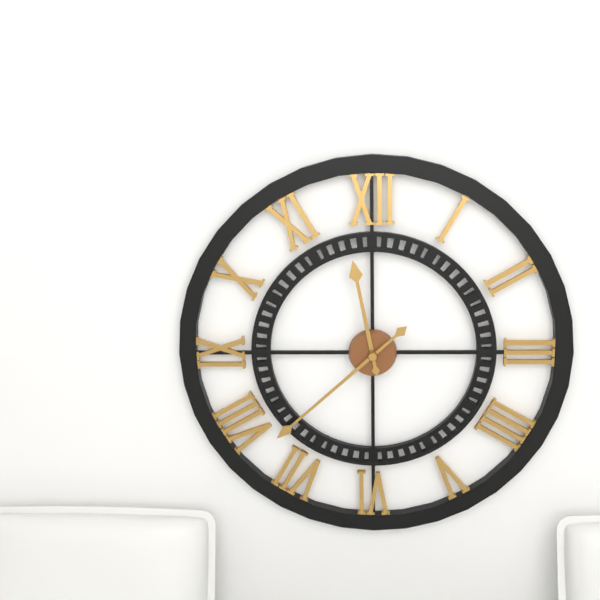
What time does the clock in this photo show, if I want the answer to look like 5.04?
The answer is 11.38
